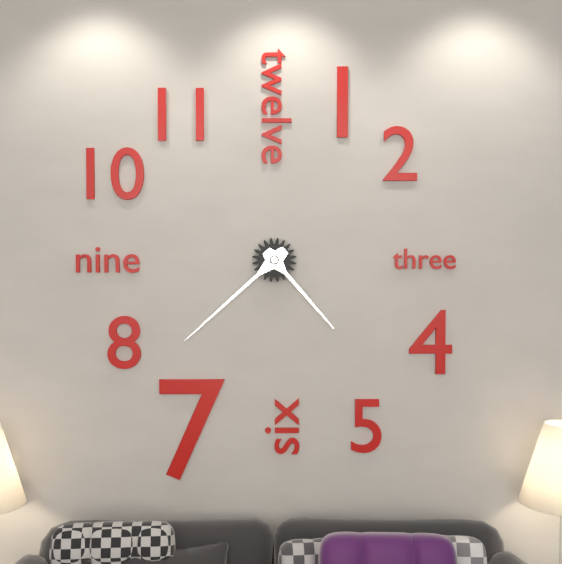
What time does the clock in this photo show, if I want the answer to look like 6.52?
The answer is 4.38
